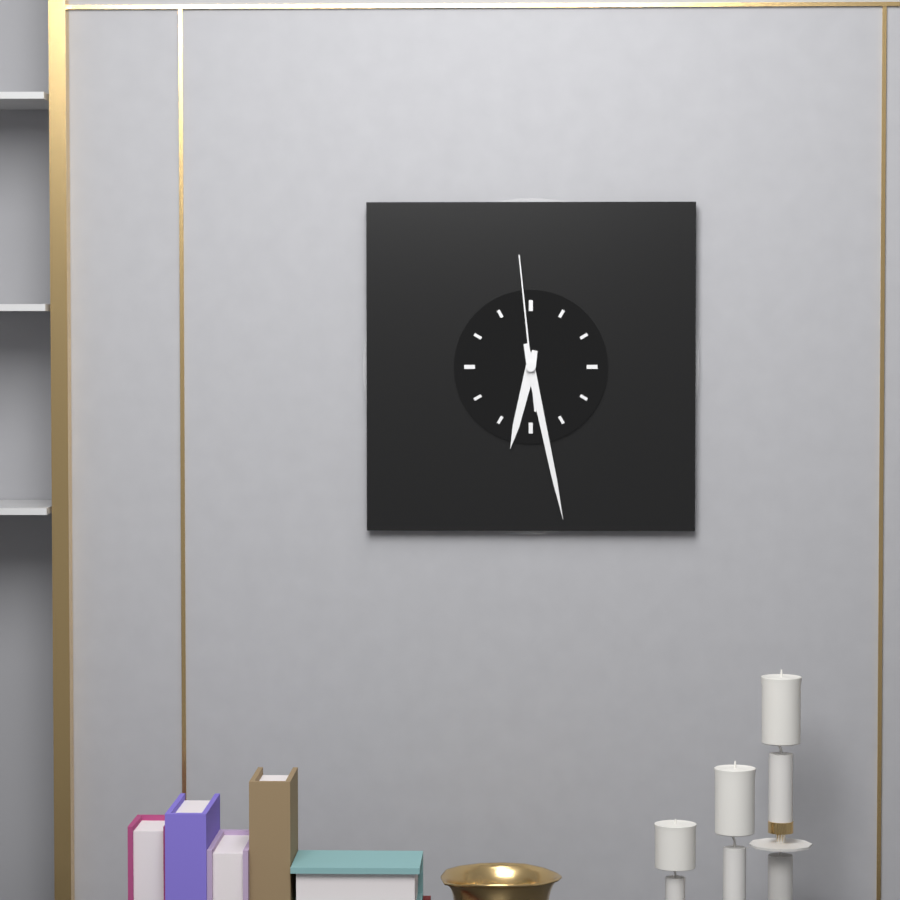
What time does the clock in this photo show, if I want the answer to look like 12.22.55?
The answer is 6.28.59
